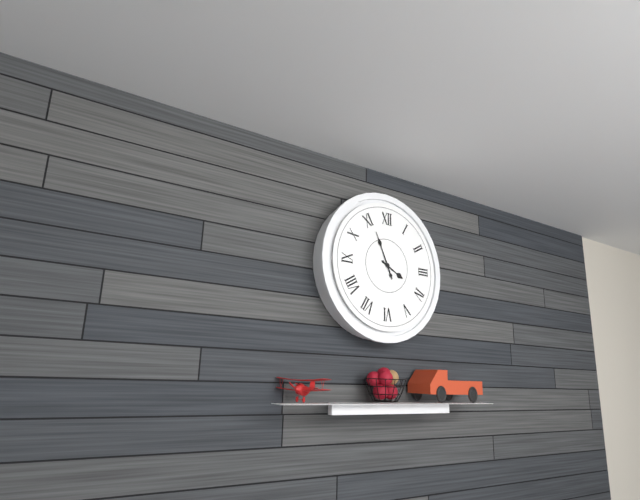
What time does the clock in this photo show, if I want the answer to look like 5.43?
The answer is 3.56
